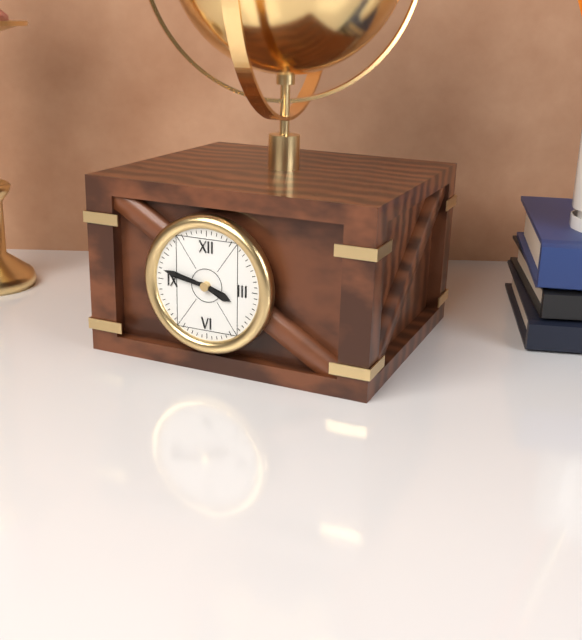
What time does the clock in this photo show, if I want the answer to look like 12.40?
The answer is 3.47
